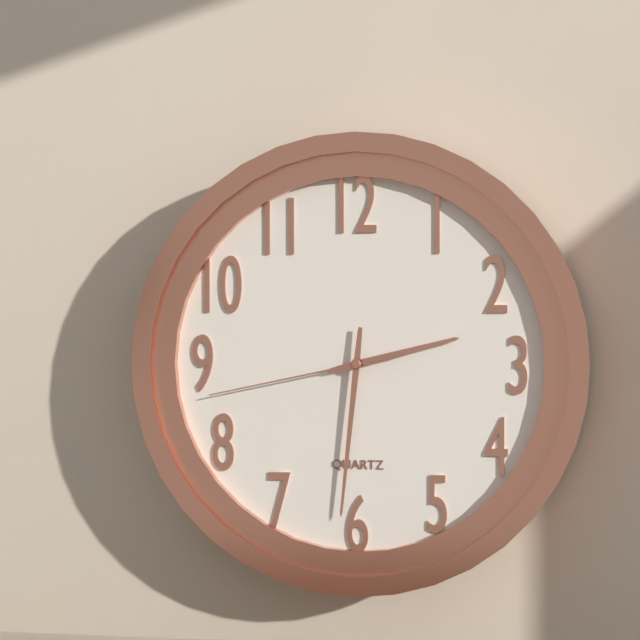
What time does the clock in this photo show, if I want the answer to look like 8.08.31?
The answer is 2.31.43
